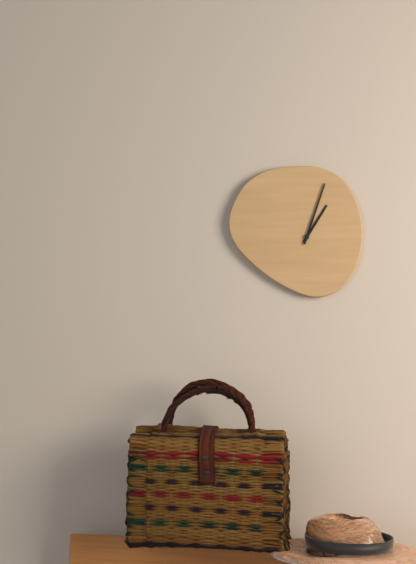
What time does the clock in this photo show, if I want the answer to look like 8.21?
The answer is 1.03
